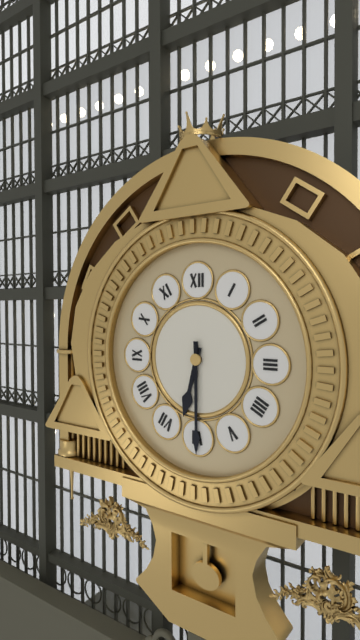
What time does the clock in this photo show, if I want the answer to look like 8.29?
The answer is 6.30
